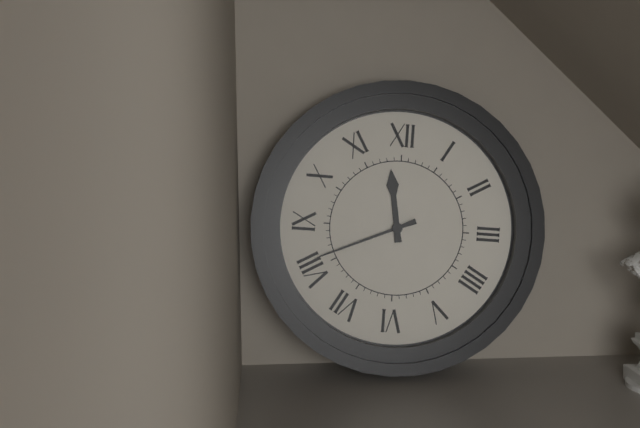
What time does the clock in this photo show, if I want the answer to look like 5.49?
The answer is 11.41
